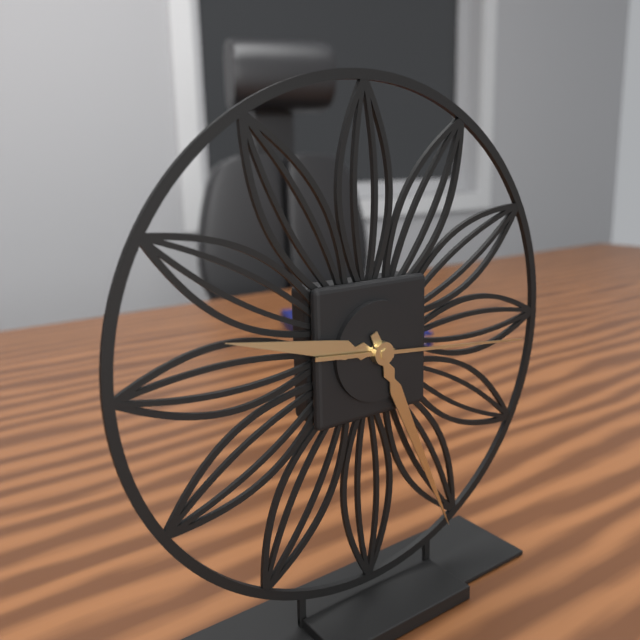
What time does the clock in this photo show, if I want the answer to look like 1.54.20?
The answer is 9.26.16
